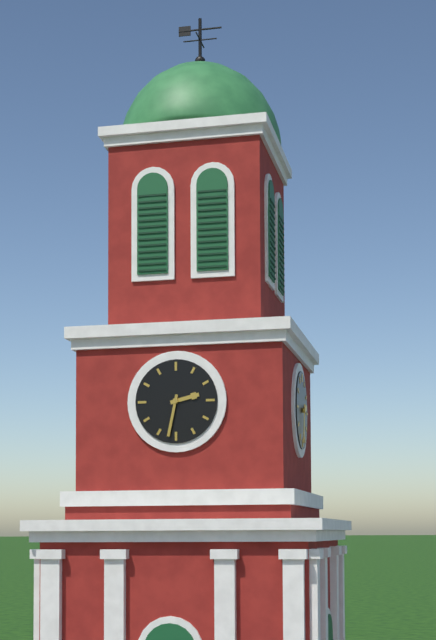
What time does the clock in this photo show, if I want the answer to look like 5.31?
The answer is 2.32
